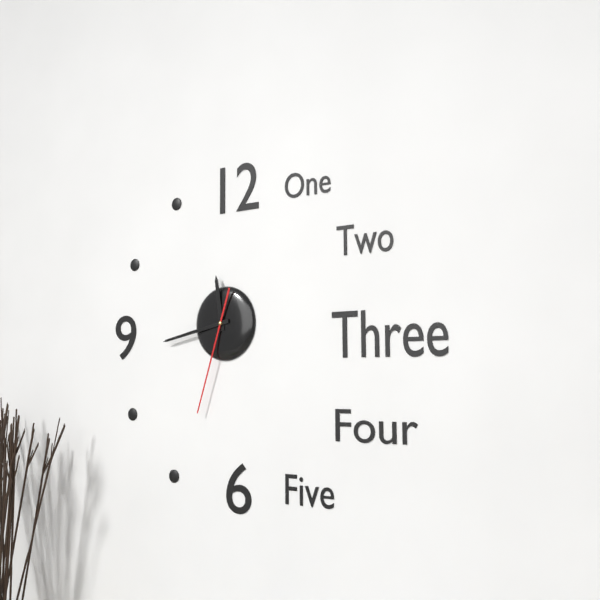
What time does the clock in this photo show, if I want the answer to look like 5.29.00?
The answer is 11.43.33
